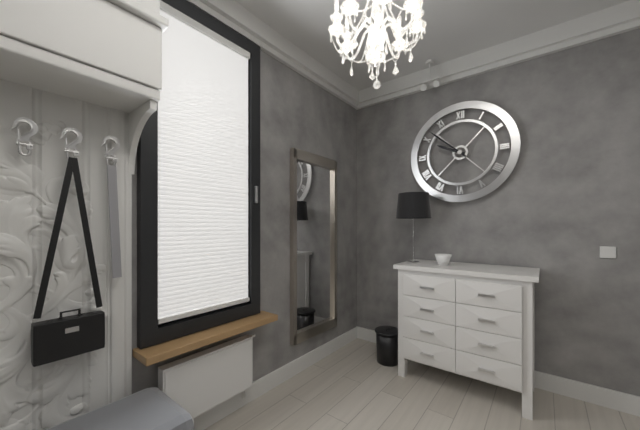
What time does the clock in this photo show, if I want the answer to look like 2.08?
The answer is 9.52
